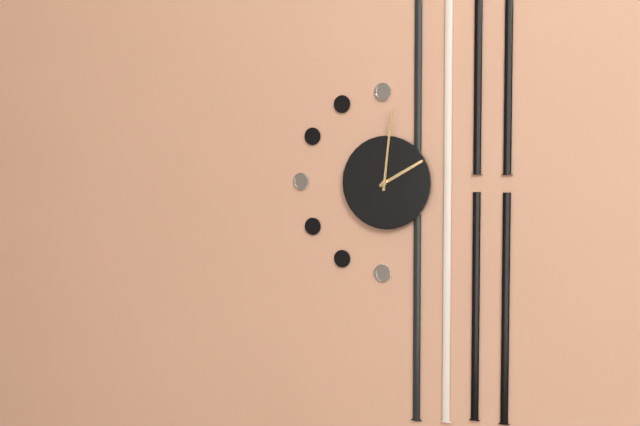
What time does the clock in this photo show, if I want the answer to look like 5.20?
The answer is 2.01
